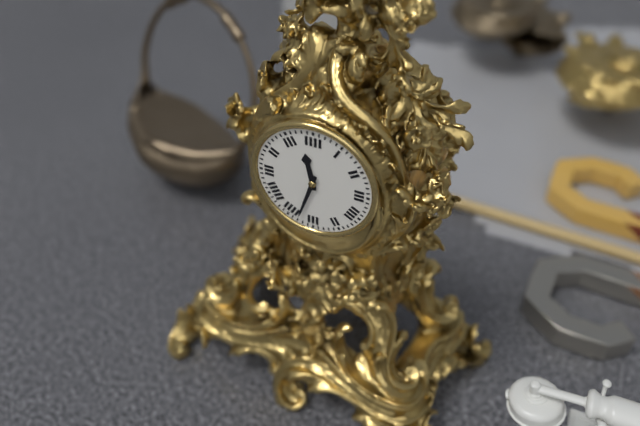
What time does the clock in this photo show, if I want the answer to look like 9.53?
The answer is 11.33
